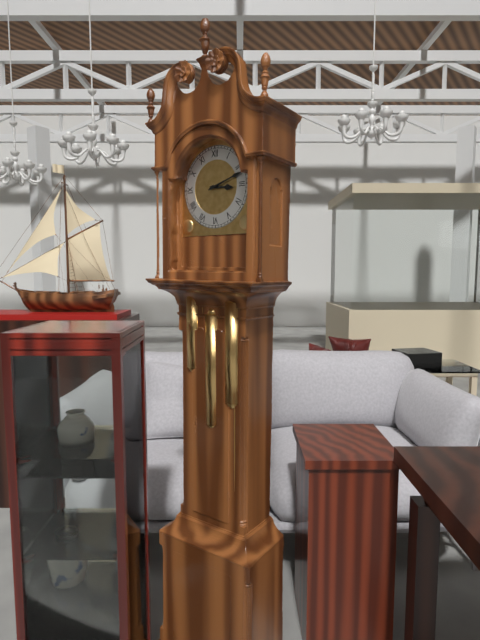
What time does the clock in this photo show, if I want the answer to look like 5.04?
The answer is 3.12
